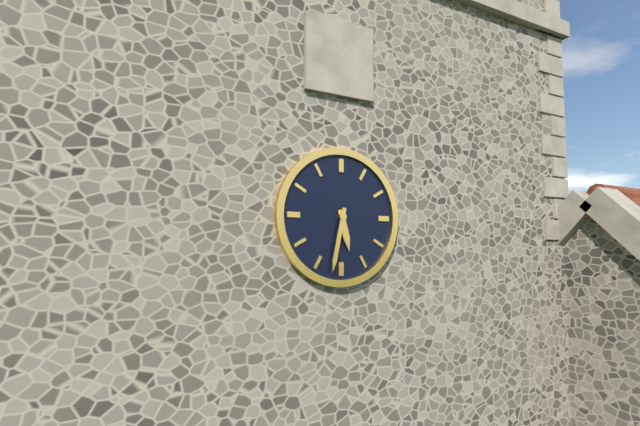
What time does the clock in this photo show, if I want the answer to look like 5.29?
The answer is 5.32
